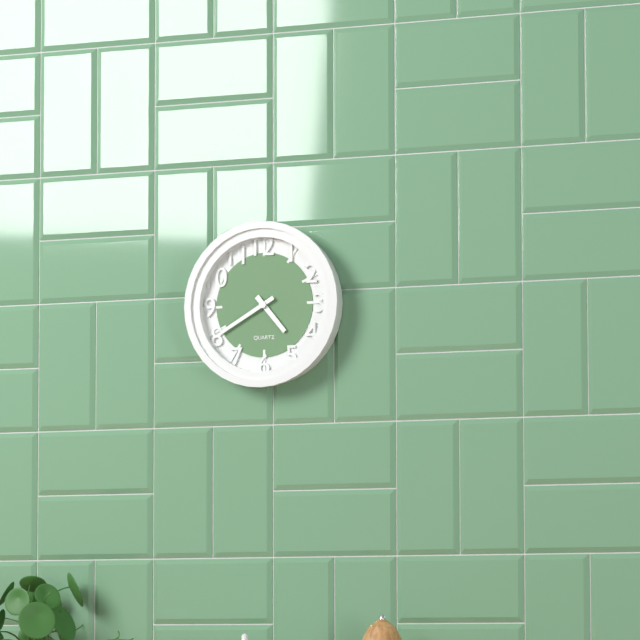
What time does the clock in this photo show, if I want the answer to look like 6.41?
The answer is 4.40
